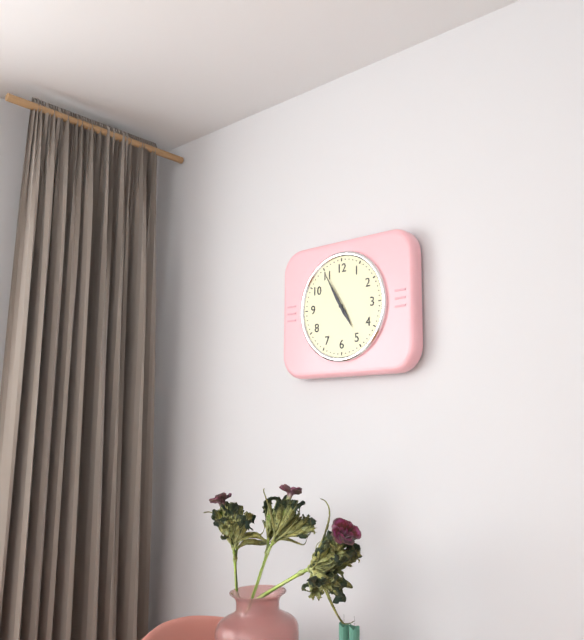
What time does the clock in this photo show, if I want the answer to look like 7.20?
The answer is 4.55
